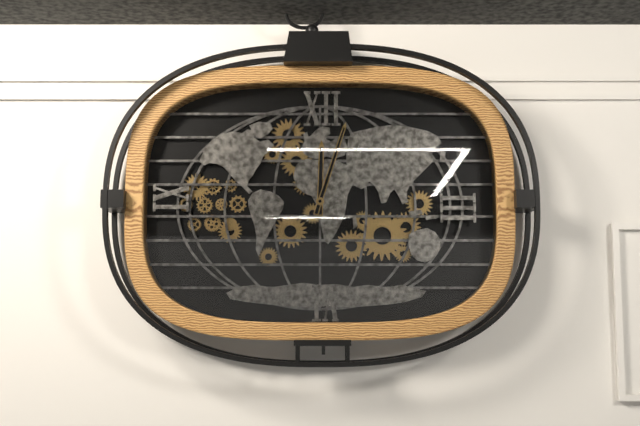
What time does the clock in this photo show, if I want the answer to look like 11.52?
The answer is 12.03
